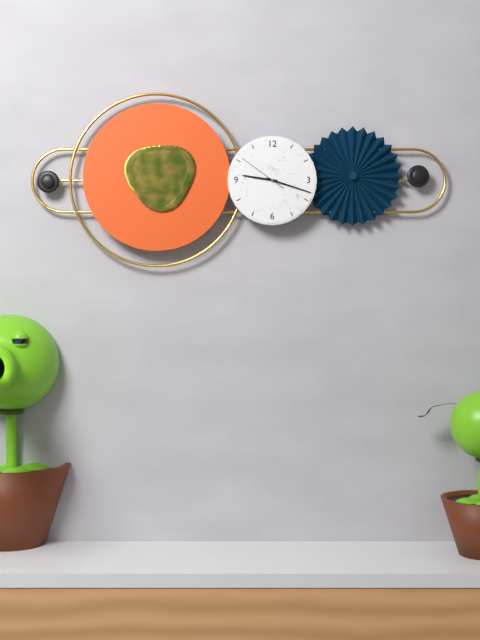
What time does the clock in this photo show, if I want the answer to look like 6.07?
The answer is 9.18
